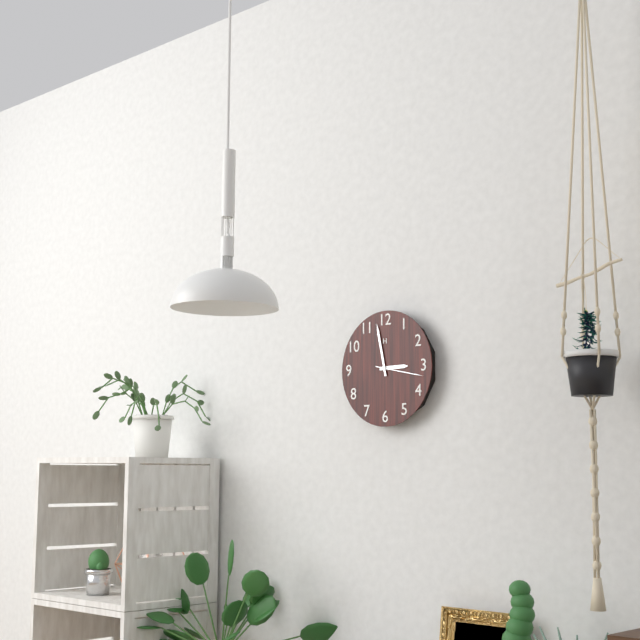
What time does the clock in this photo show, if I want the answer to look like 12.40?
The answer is 2.58
